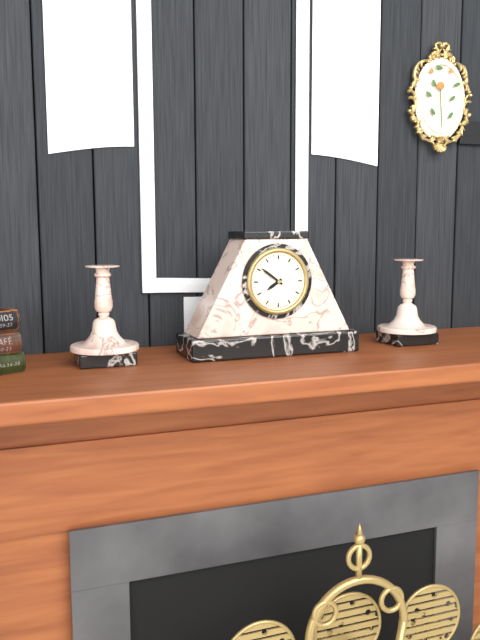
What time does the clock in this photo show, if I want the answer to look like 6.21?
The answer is 7.51
